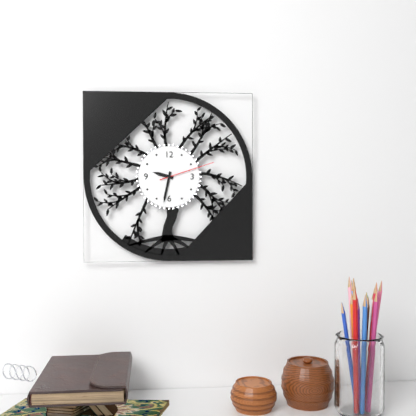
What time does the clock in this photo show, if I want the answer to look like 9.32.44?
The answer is 9.32.12
